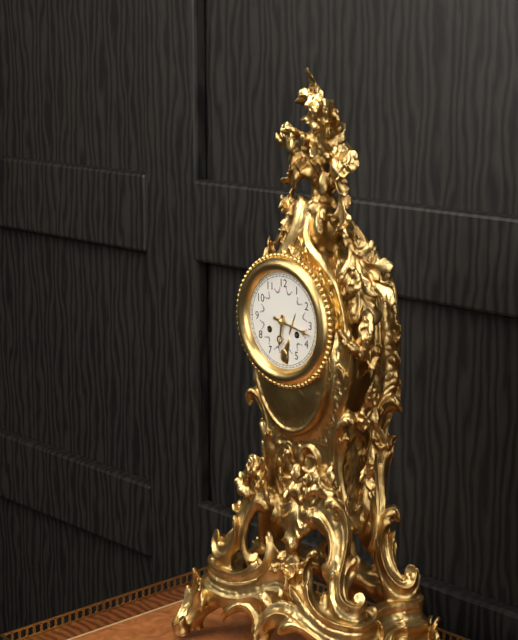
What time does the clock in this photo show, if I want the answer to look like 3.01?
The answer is 6.17
